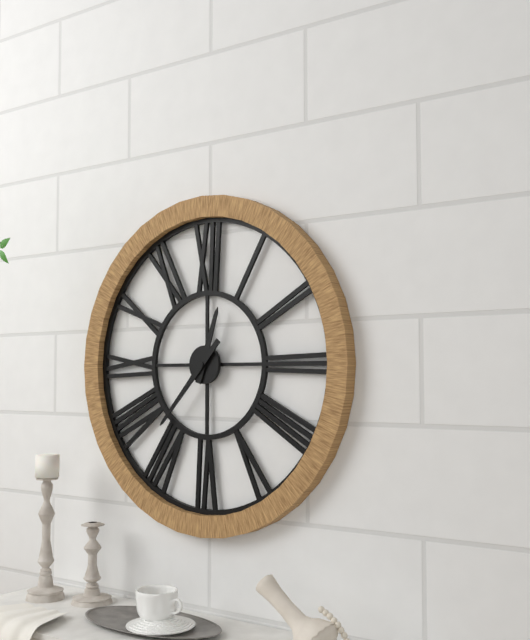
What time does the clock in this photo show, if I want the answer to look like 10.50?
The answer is 12.37
